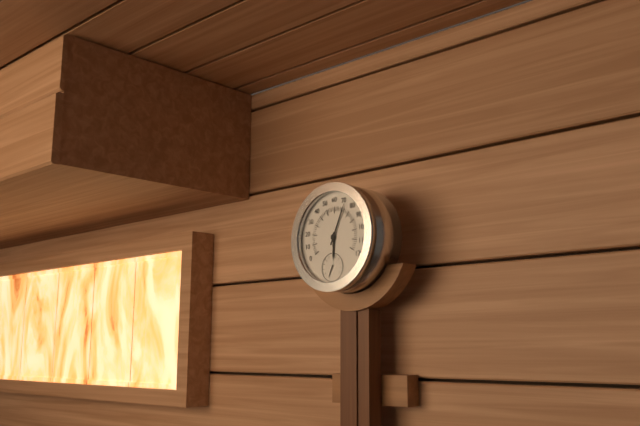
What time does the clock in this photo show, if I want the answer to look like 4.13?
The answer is 6.04
